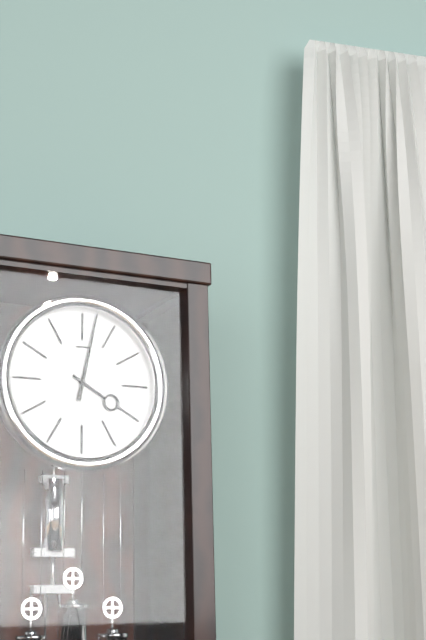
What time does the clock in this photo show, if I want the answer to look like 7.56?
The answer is 4.02
